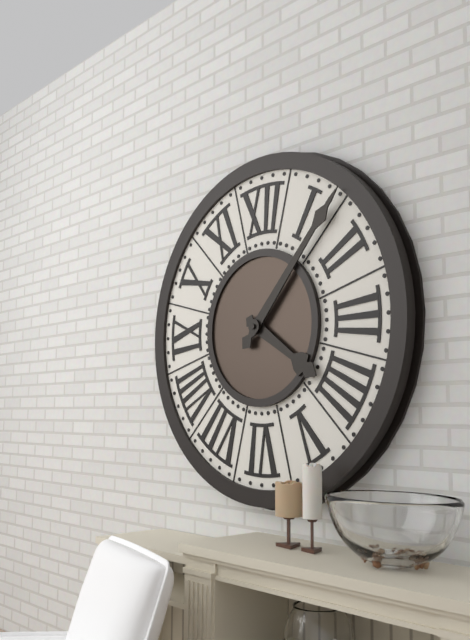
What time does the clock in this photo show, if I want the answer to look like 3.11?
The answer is 4.07
